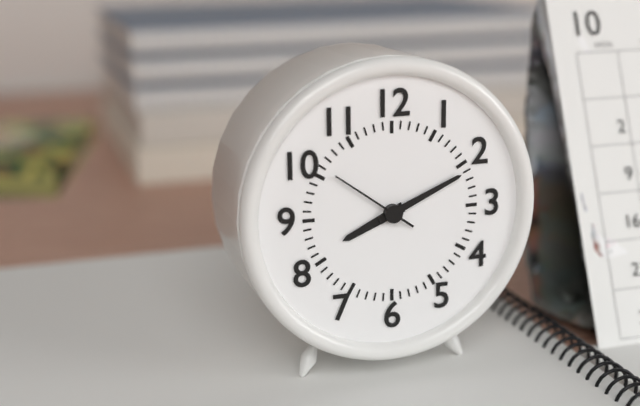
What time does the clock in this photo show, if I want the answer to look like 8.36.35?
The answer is 8.11.51
